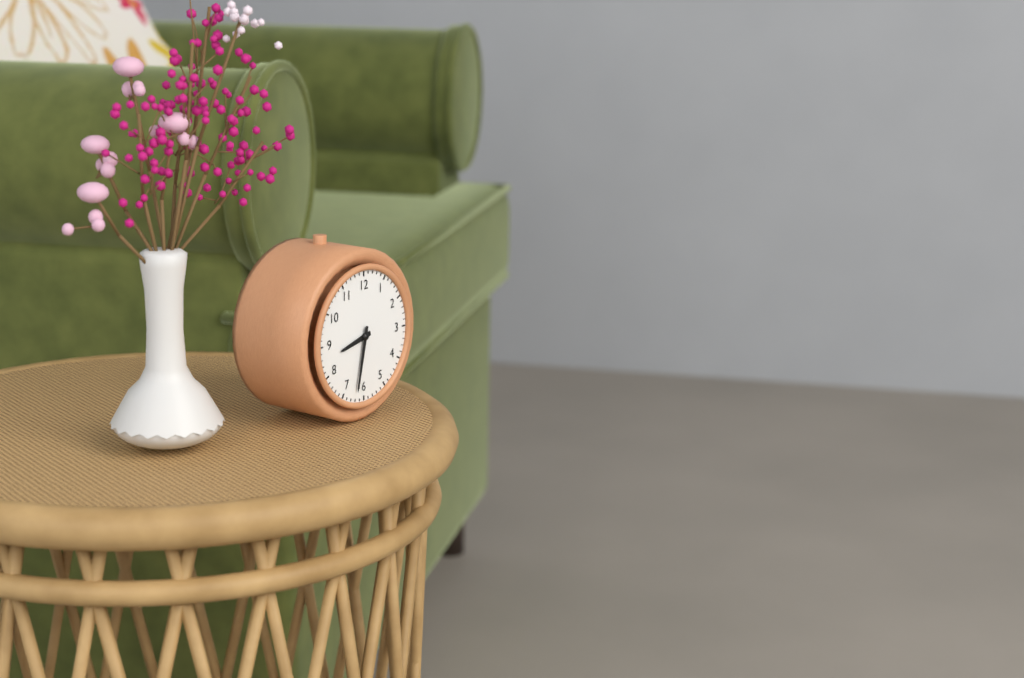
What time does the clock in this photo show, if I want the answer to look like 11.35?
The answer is 8.32
